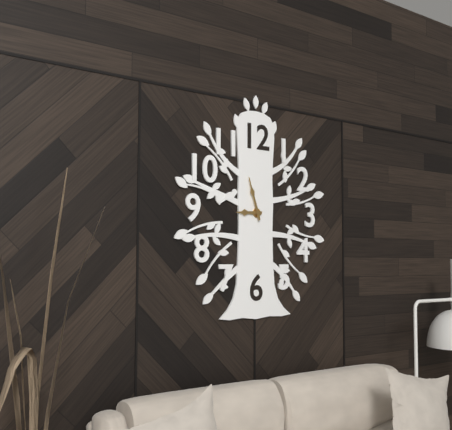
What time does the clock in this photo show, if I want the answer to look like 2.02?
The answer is 8.57
